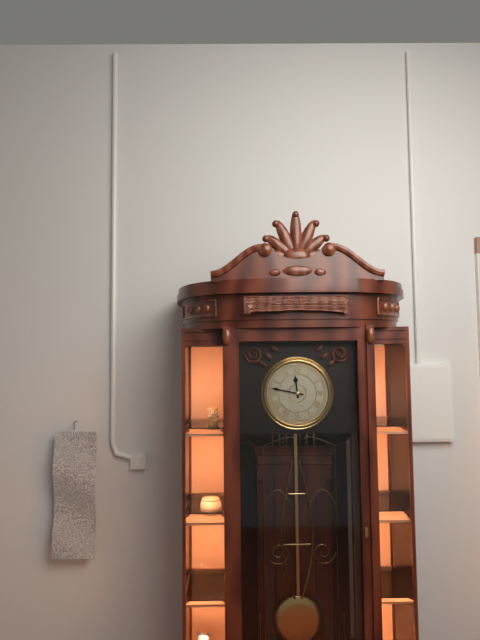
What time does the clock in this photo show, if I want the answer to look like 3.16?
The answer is 11.47
